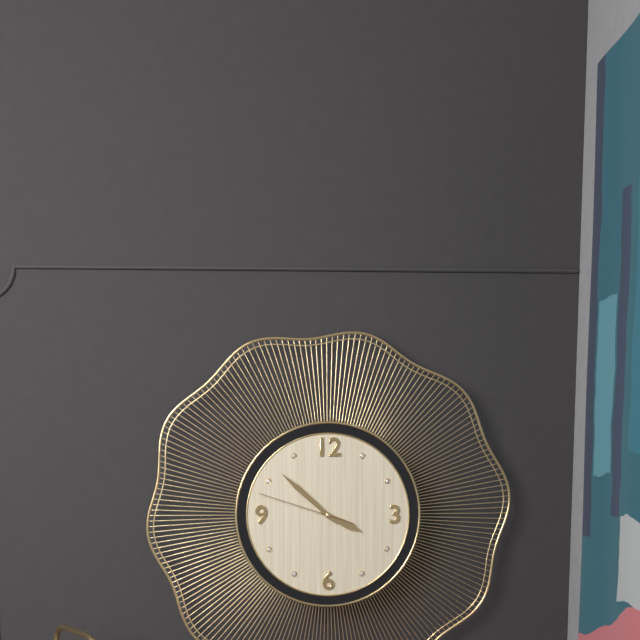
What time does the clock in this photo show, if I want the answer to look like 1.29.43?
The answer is 3.52.48
